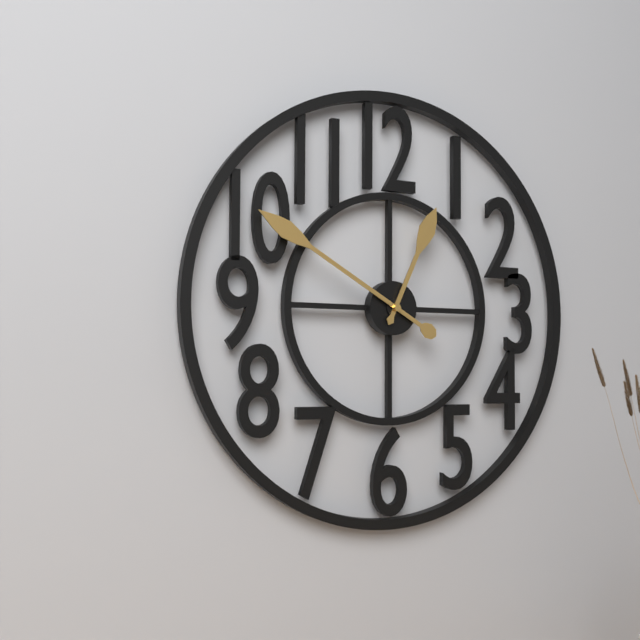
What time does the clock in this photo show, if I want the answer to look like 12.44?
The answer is 12.50
